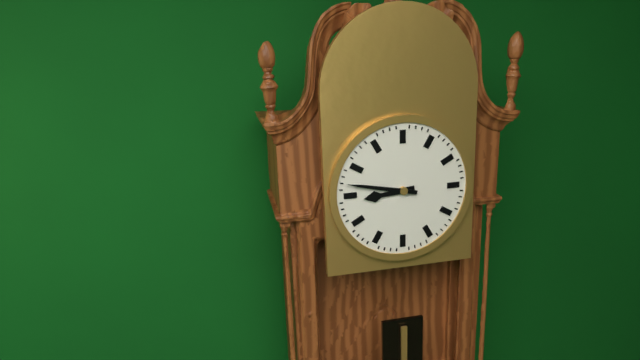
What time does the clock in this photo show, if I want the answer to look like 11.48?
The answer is 8.47
